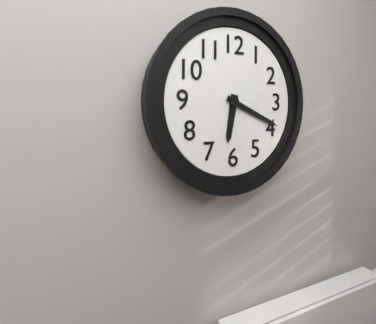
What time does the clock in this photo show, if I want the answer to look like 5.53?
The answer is 6.19
